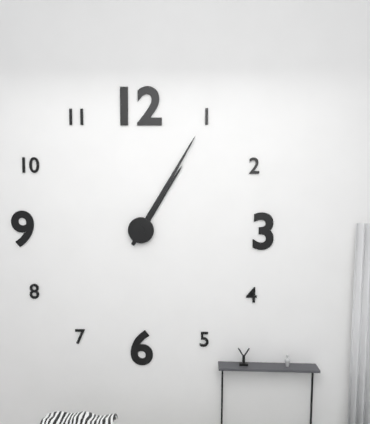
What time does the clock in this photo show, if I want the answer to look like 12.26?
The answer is 1.05
